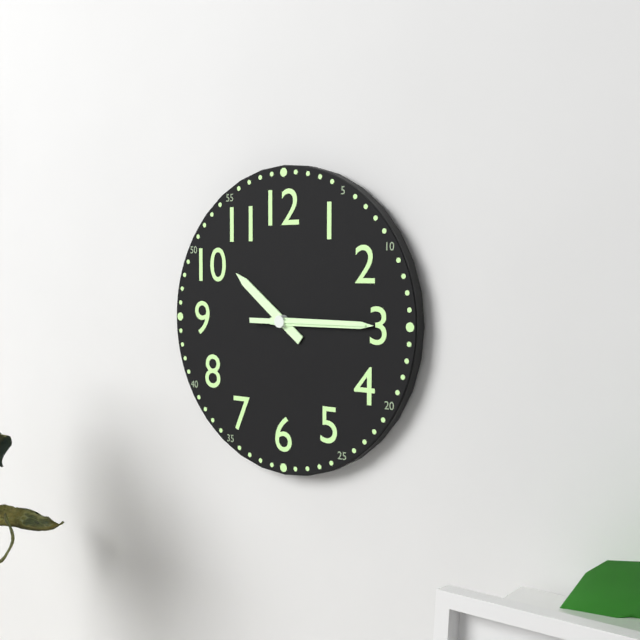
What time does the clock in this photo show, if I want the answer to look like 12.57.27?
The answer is 10.15.15
